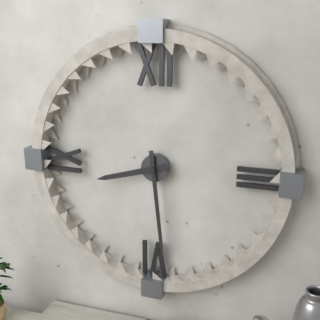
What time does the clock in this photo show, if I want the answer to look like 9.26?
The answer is 8.29
